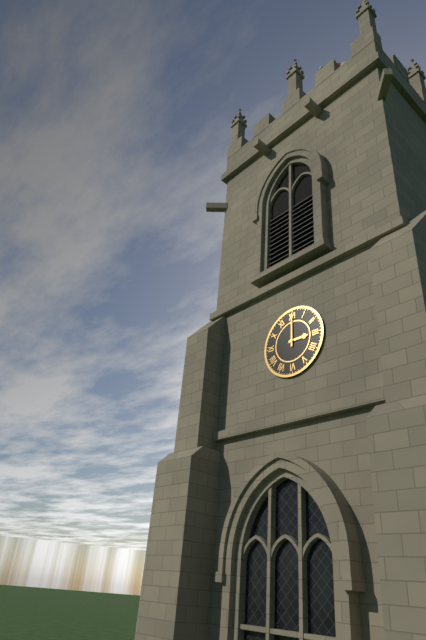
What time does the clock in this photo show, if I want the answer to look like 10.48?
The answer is 3.00
